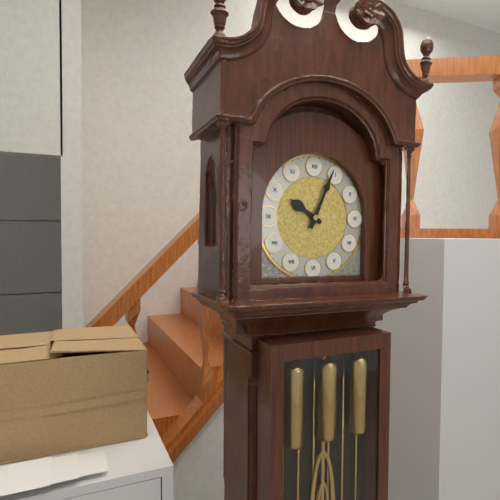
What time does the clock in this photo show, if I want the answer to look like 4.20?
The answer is 10.04
